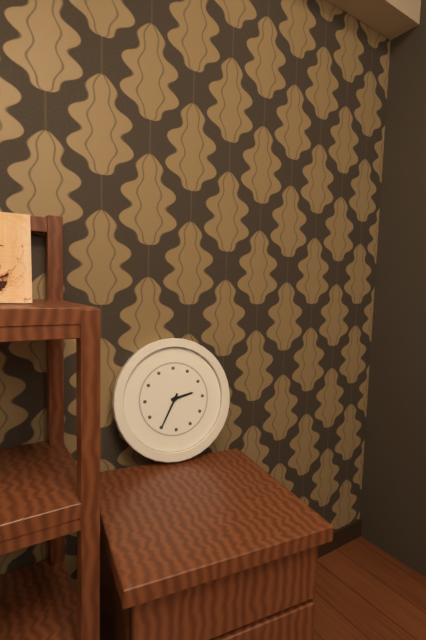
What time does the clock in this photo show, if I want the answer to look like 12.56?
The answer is 2.35
